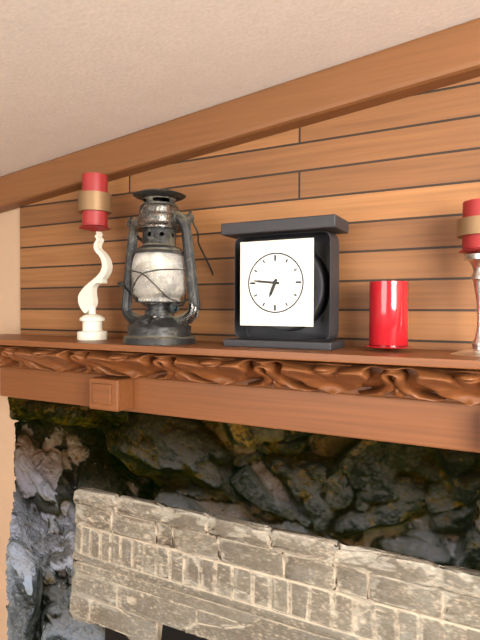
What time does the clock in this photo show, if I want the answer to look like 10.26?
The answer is 6.46
